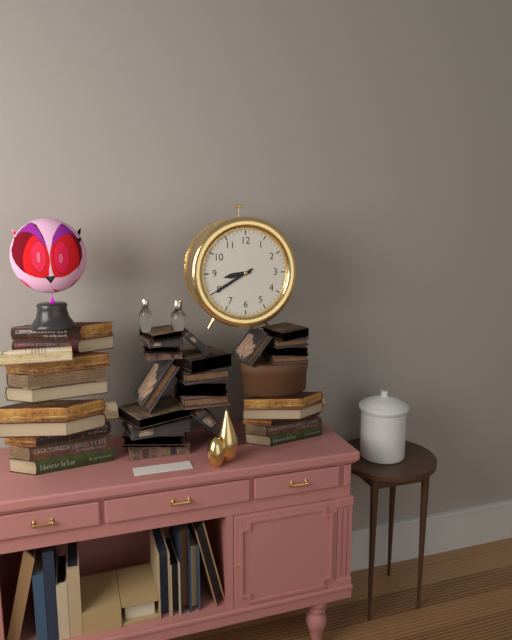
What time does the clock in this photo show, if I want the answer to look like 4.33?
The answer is 8.40
